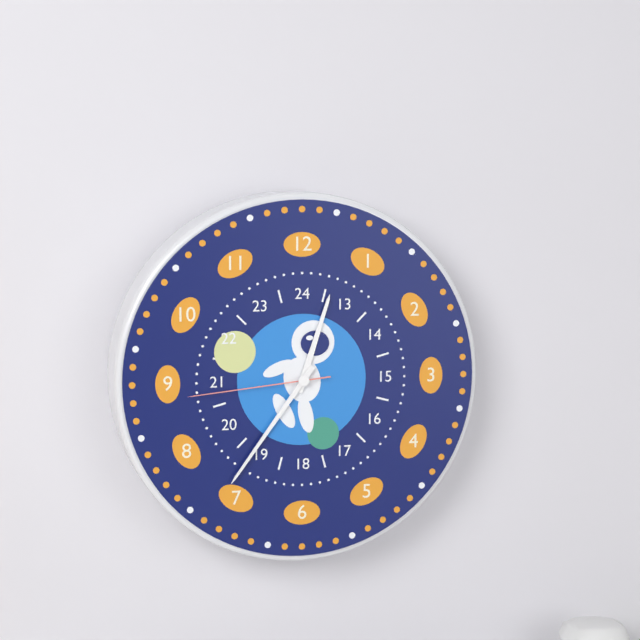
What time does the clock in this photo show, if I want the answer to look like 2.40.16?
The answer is 12.36.44
